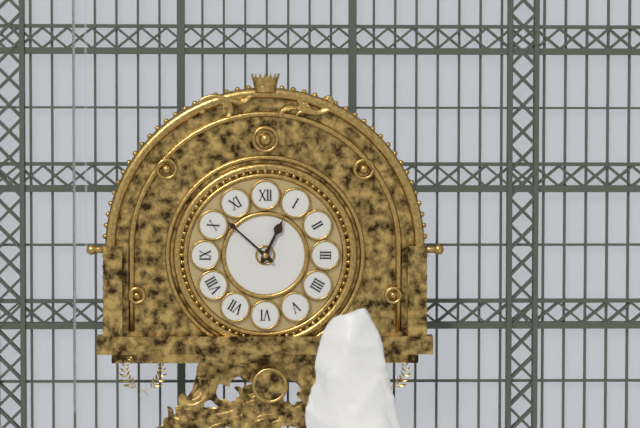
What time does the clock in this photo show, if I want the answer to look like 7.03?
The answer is 12.52
